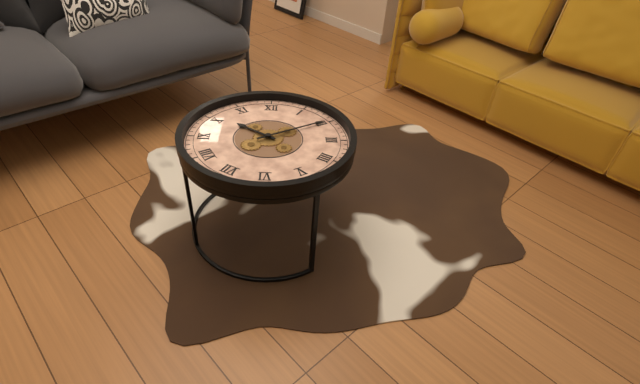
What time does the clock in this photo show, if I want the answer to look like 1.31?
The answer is 10.10
